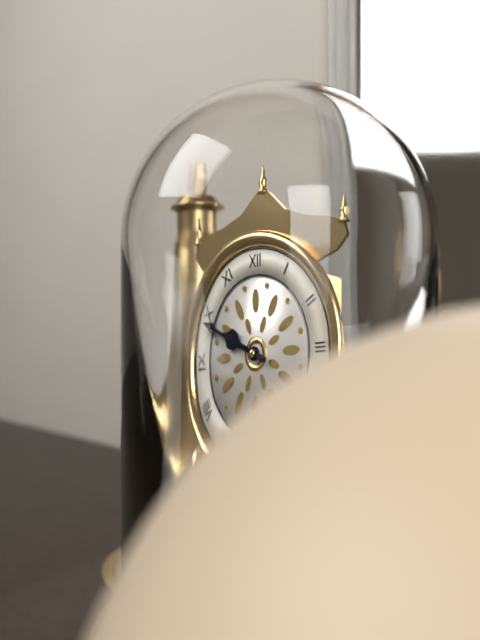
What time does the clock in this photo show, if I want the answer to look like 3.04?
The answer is 9.49
